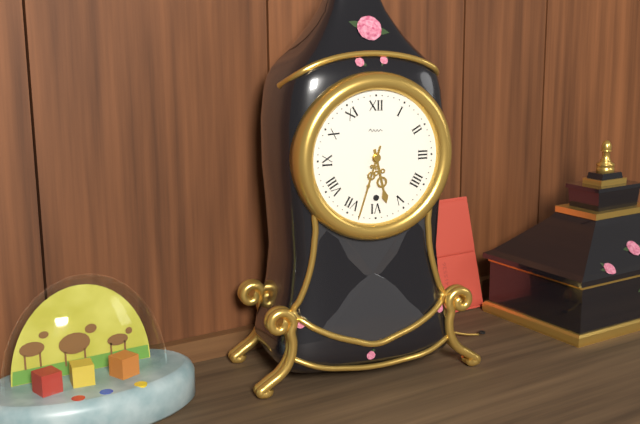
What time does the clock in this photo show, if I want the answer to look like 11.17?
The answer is 5.33
